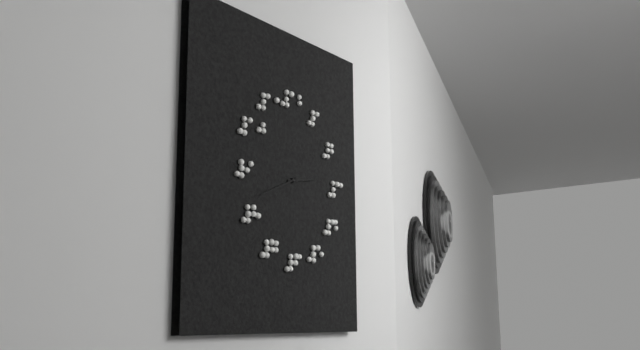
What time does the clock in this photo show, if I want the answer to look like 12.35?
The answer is 2.41
